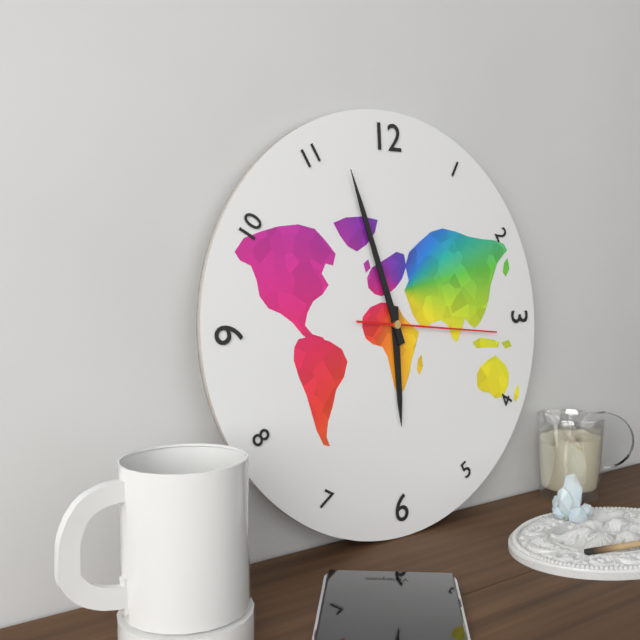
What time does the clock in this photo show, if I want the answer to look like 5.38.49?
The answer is 5.57.16
